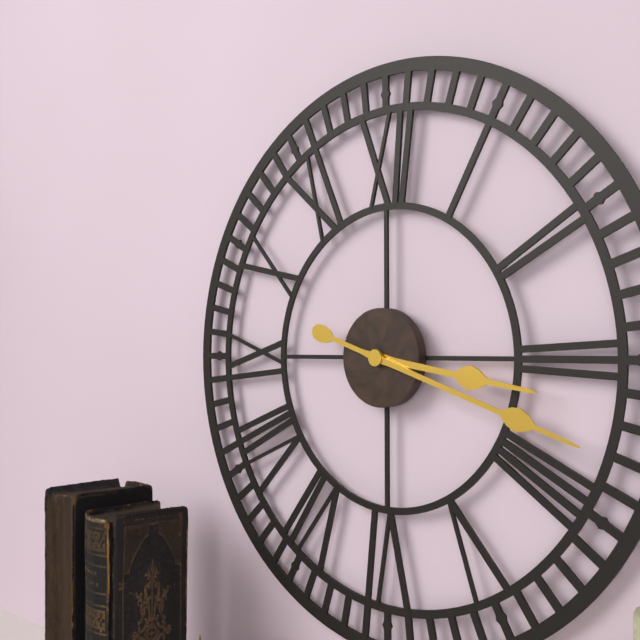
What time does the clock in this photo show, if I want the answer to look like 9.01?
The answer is 3.18
